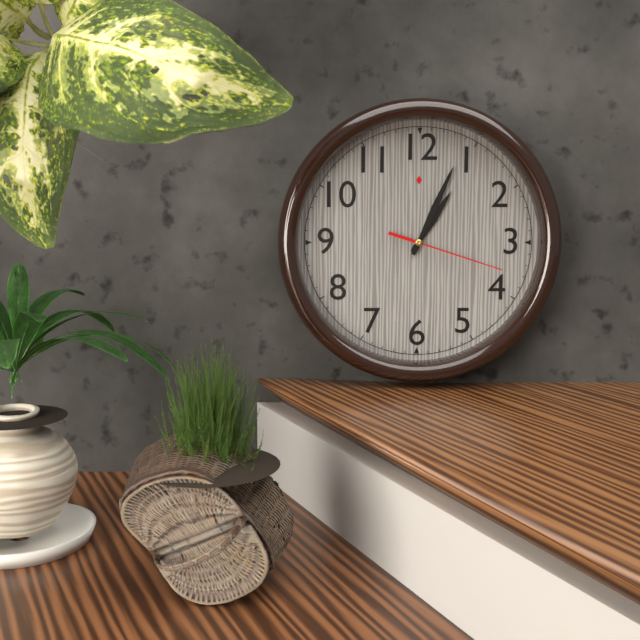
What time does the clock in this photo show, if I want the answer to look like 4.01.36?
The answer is 1.04.18
